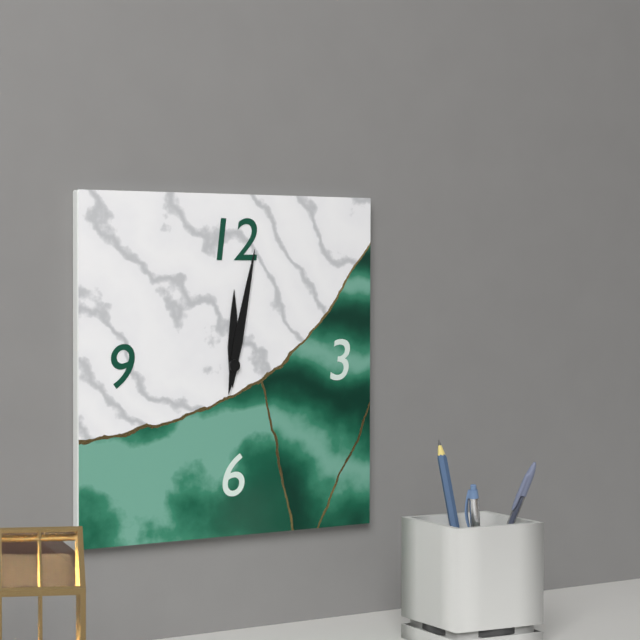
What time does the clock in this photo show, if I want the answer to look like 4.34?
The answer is 12.02
